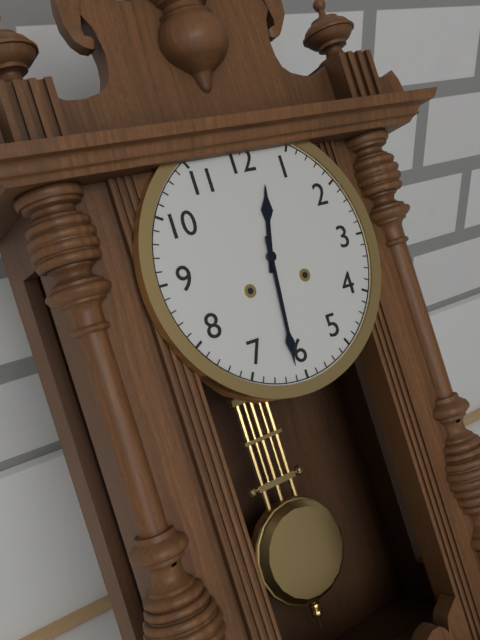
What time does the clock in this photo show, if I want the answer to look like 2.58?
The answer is 12.31
